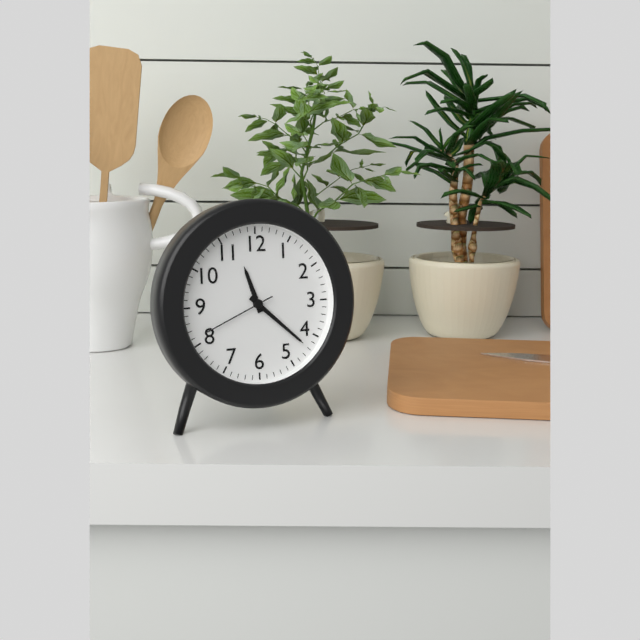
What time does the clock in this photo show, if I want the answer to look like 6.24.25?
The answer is 11.22.41
